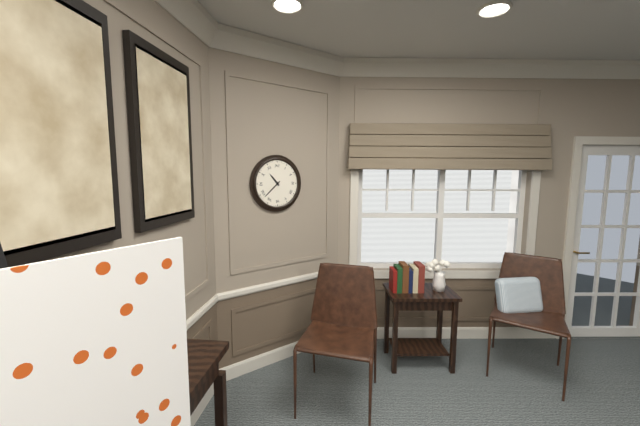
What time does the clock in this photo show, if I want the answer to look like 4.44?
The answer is 10.38
